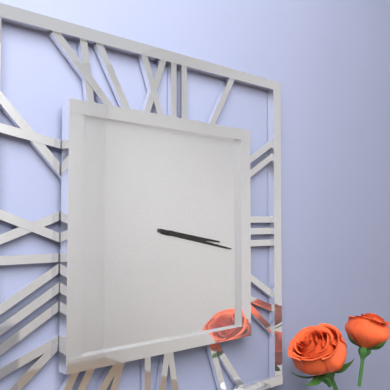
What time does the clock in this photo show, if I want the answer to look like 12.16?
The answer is 3.17
